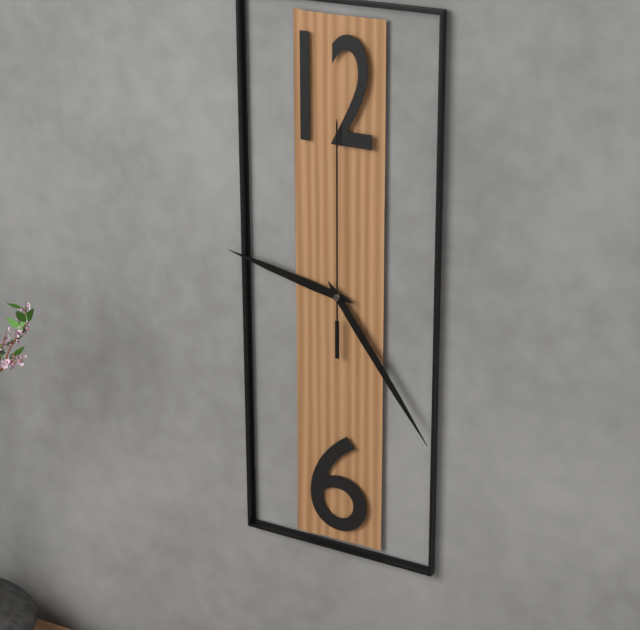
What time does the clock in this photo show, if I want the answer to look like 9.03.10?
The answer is 9.24.00
